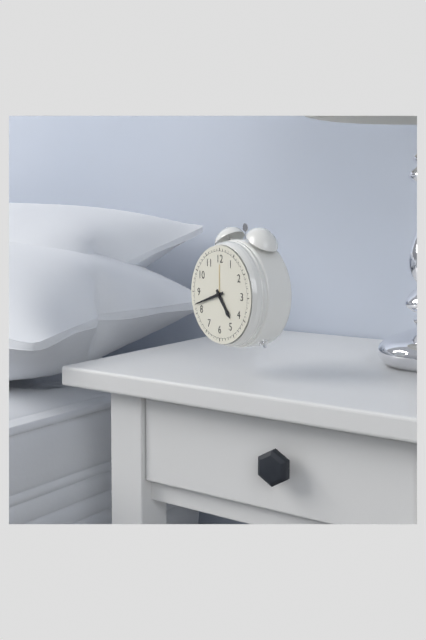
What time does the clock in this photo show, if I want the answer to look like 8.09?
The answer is 4.42
